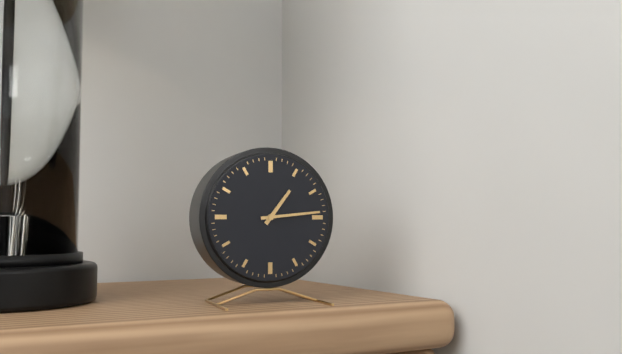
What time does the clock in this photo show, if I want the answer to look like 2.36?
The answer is 1.14
